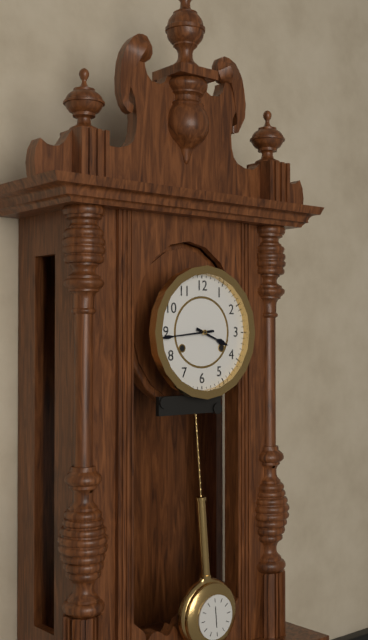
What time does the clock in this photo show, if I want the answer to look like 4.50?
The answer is 3.44
